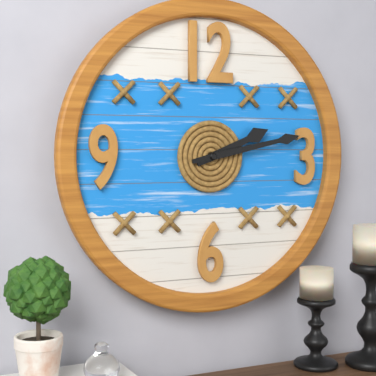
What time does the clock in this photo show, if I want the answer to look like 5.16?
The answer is 2.13
